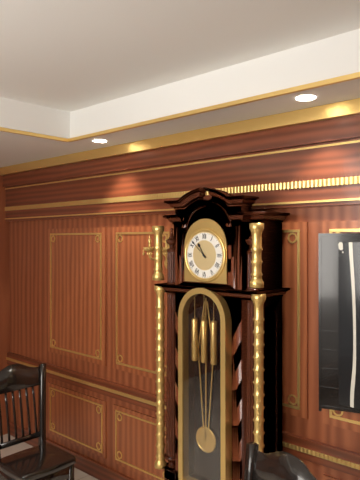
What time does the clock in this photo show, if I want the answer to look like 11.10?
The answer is 10.52
